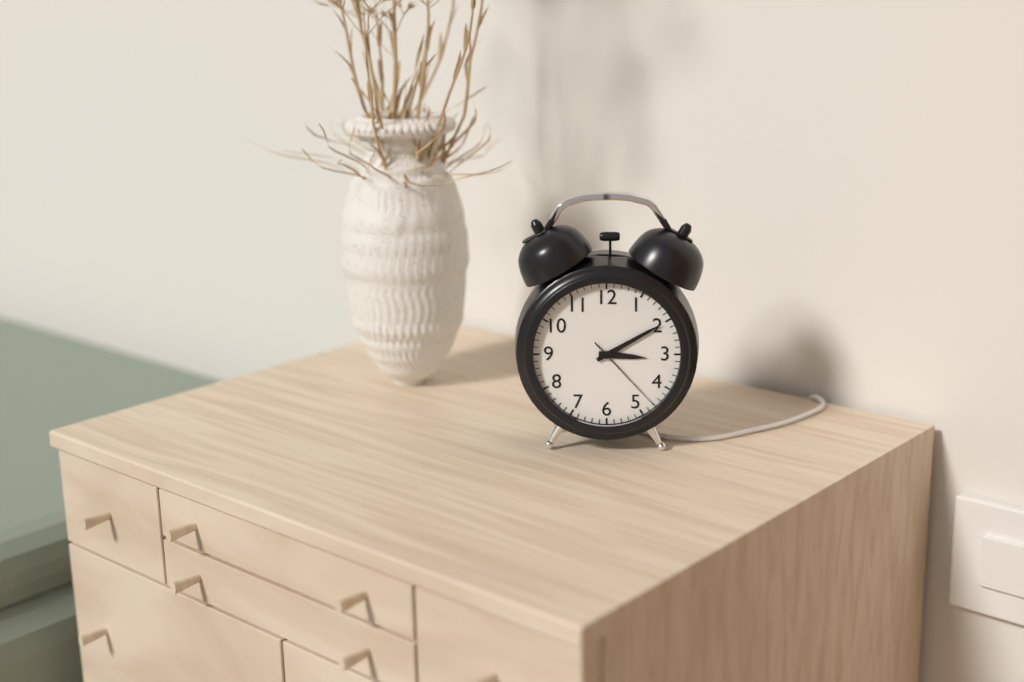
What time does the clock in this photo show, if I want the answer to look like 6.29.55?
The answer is 3.10.23
